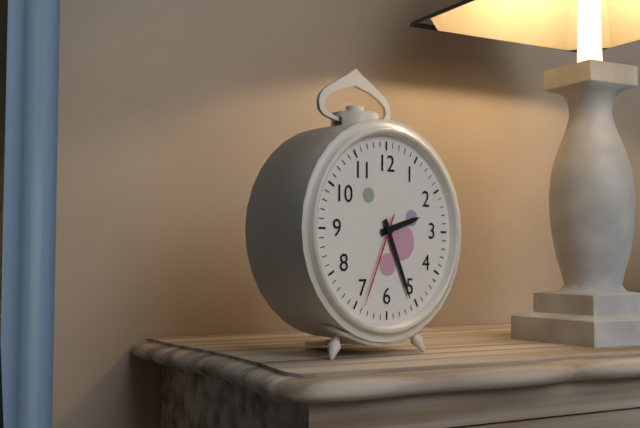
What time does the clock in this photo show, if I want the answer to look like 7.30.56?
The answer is 2.26.34
